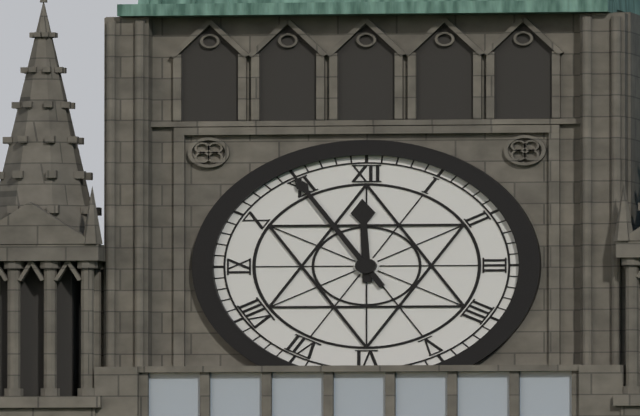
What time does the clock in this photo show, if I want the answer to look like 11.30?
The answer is 11.55
